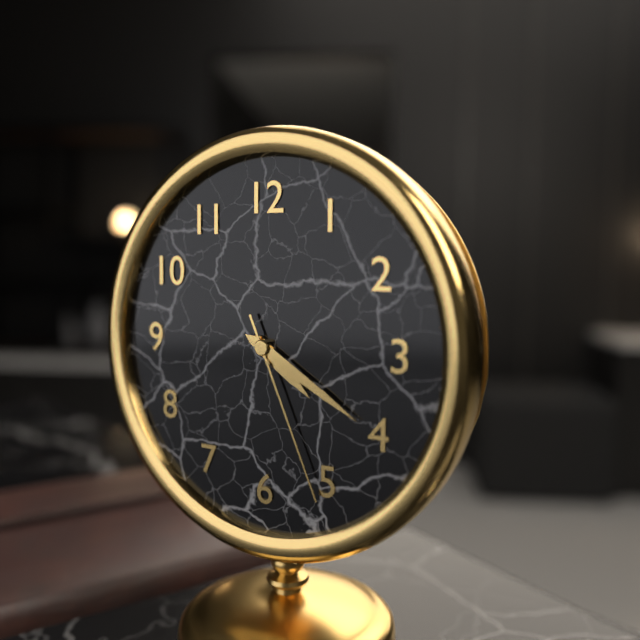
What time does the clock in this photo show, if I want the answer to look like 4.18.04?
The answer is 4.20.26
